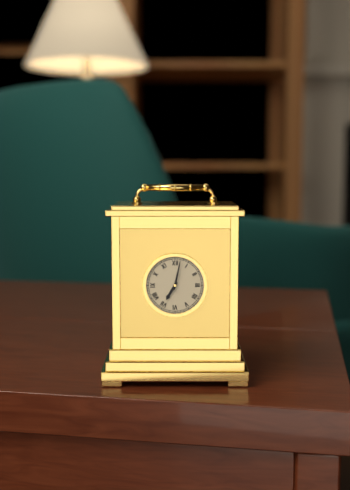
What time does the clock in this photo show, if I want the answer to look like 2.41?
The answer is 7.02
